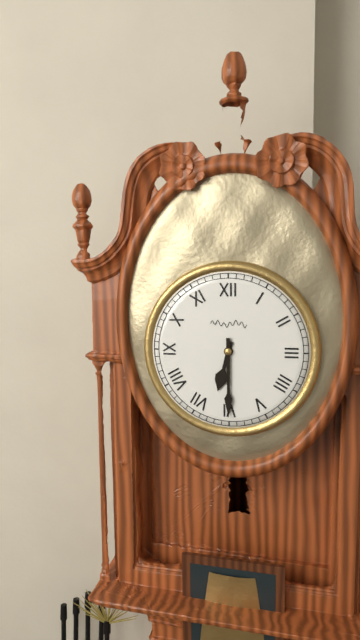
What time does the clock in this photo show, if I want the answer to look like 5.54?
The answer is 6.30
